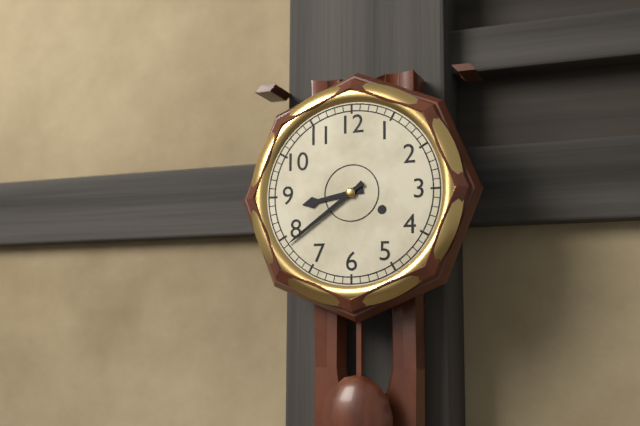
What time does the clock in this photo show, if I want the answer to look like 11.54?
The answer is 8.39
